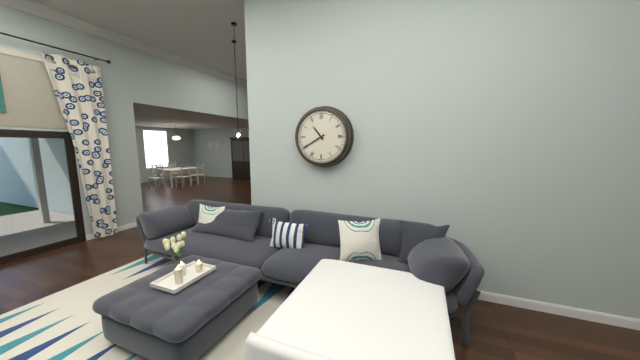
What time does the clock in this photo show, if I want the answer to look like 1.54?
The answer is 10.40
